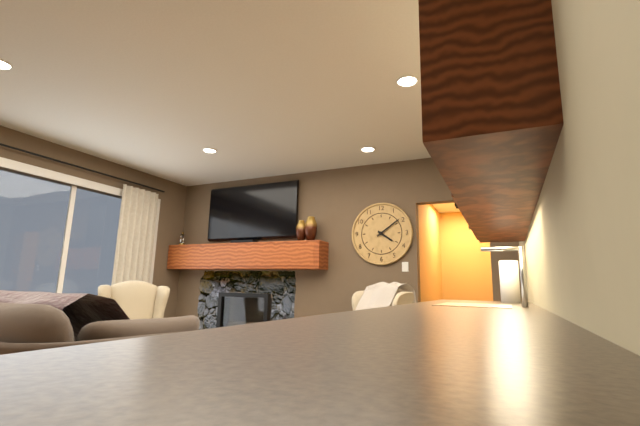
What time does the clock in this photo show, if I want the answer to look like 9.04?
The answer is 4.09
